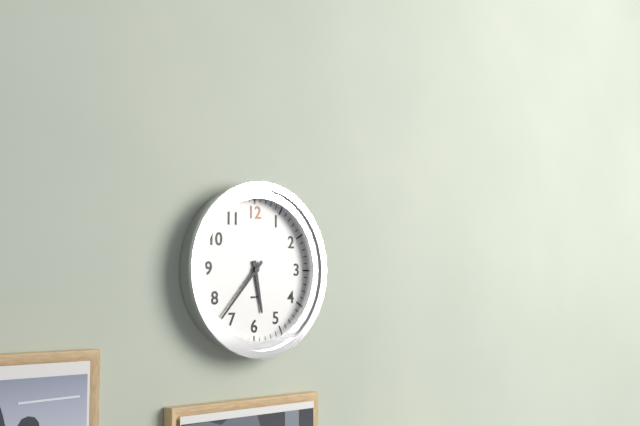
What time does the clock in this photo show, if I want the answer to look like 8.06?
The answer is 5.37
